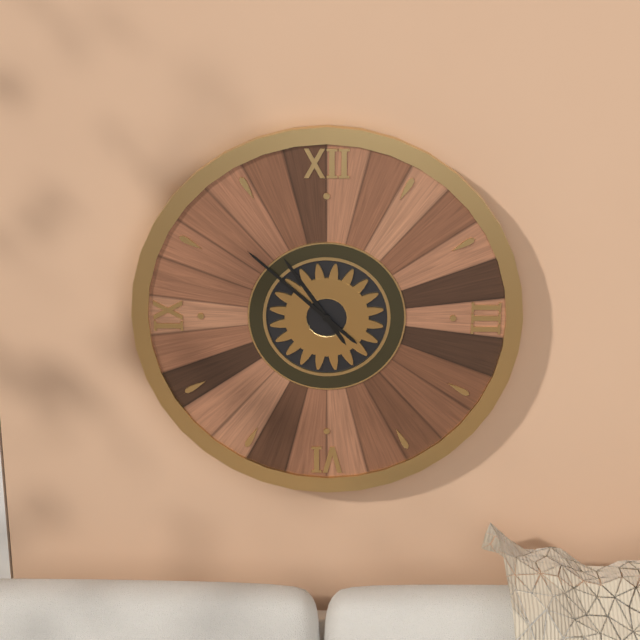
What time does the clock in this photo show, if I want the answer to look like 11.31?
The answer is 10.52
